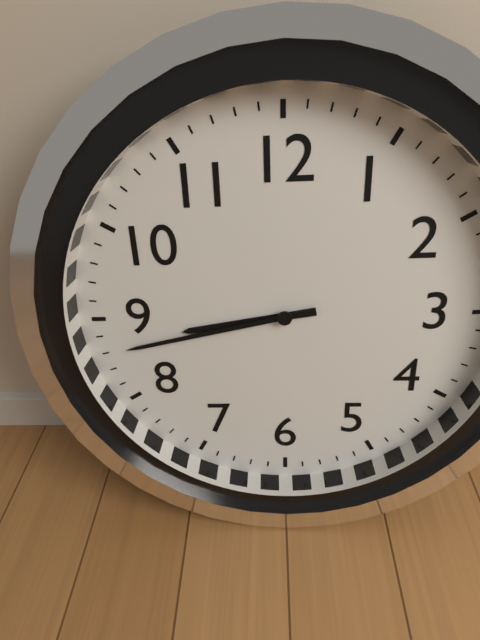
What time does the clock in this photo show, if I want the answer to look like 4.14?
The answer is 8.43
